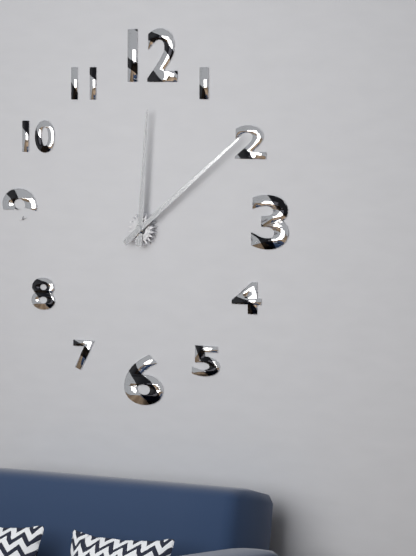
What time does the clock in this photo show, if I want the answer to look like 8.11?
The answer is 12.09
